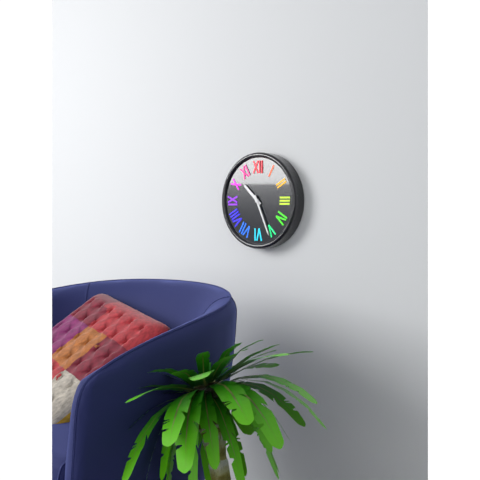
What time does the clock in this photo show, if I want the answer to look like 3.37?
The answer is 10.26
